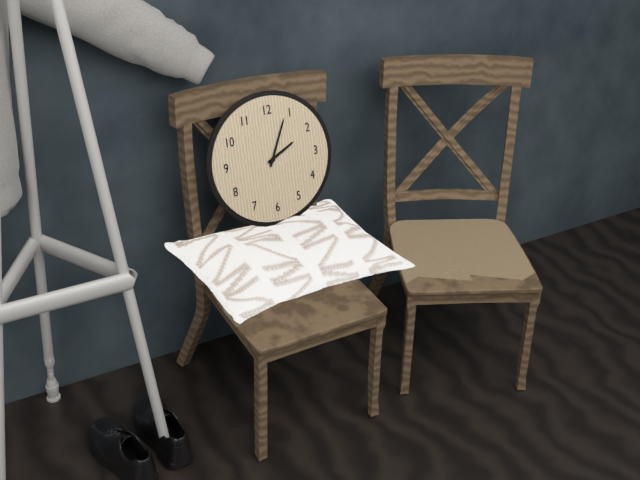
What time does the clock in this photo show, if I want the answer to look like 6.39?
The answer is 2.04
